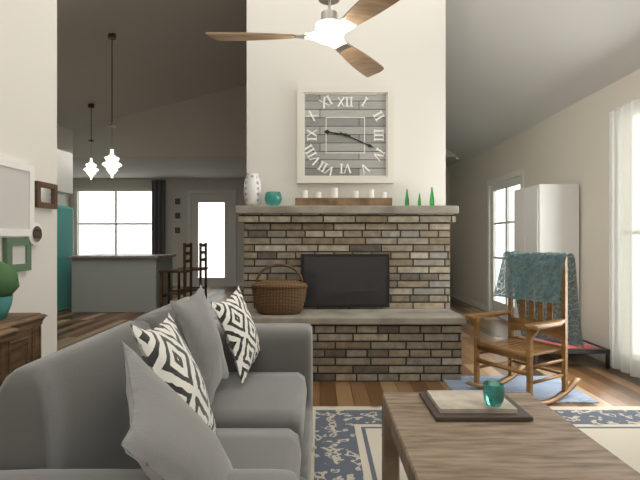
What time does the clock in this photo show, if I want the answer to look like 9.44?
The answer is 9.19
